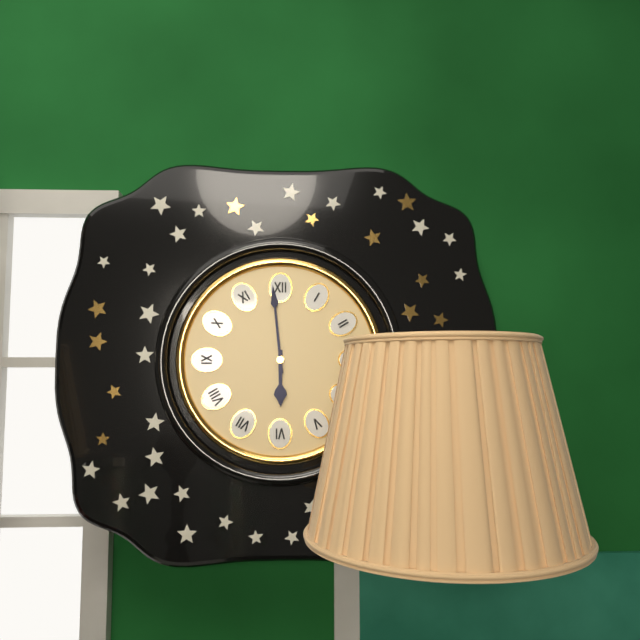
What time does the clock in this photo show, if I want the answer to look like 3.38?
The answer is 5.59
